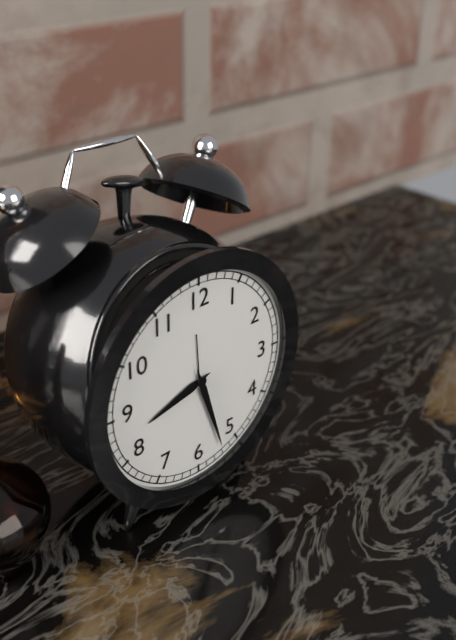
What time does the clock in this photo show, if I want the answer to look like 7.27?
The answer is 8.27
